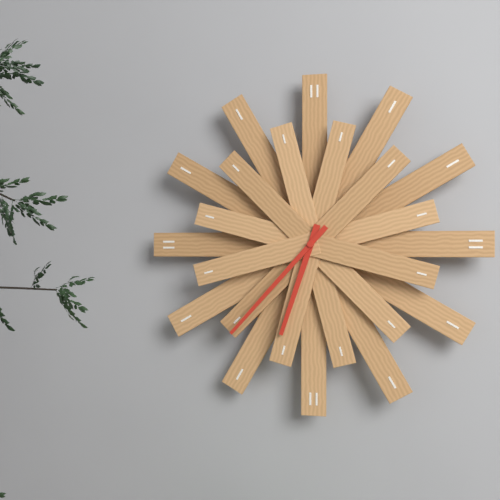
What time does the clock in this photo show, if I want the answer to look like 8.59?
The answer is 6.37
